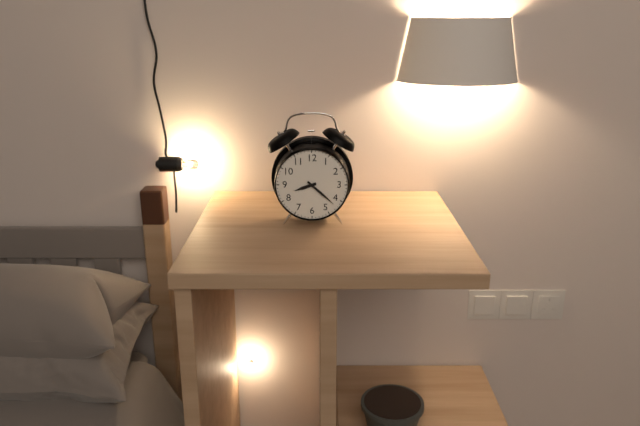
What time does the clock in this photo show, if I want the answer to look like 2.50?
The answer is 8.22
